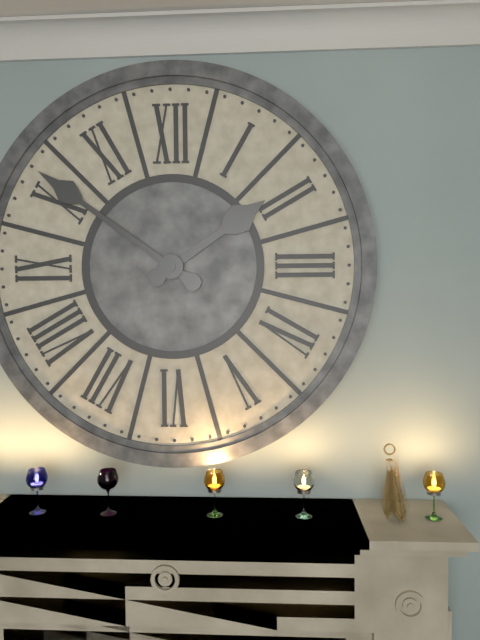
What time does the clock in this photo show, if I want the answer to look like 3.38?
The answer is 1.51
